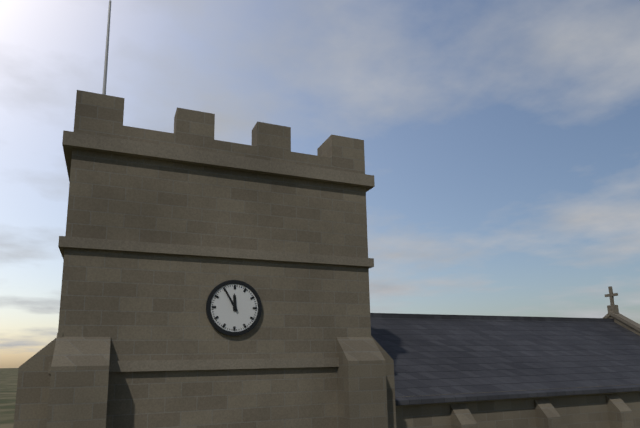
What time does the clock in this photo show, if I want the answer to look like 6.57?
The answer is 11.55
